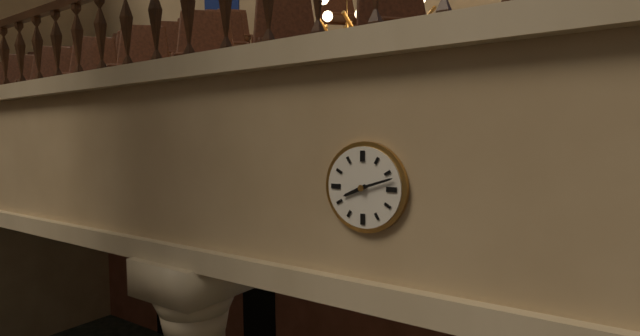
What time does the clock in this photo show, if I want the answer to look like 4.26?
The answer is 8.12
